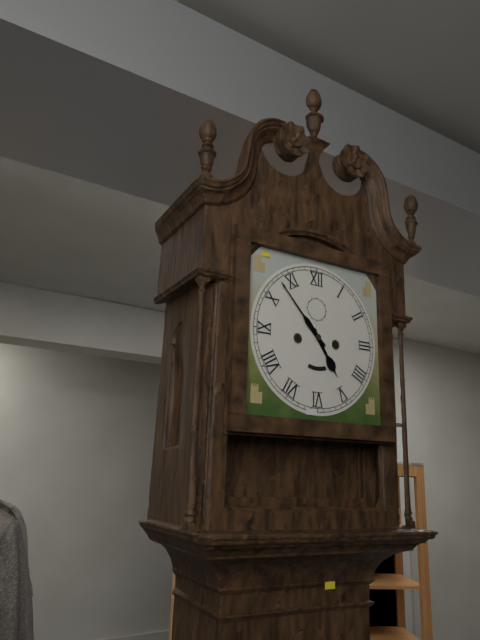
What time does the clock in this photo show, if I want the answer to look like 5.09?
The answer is 4.53
